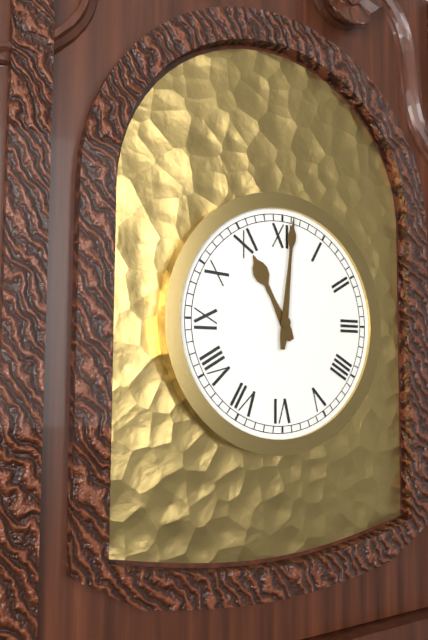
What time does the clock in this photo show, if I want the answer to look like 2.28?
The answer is 11.01
